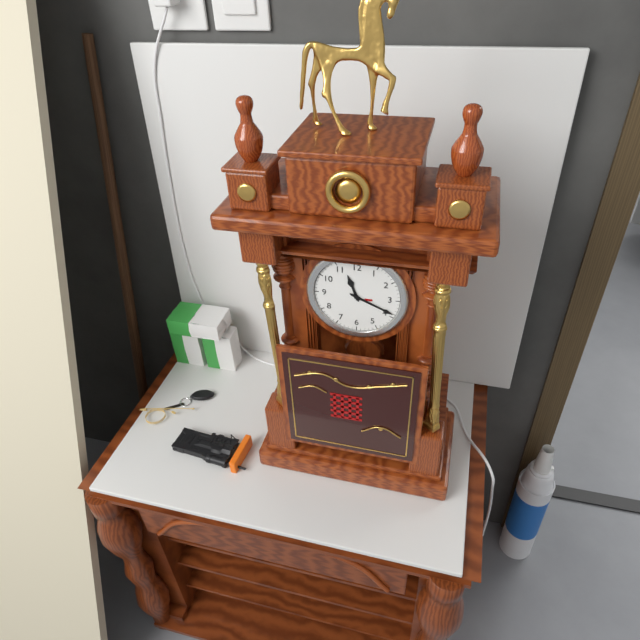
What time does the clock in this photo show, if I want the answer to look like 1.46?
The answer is 11.19
